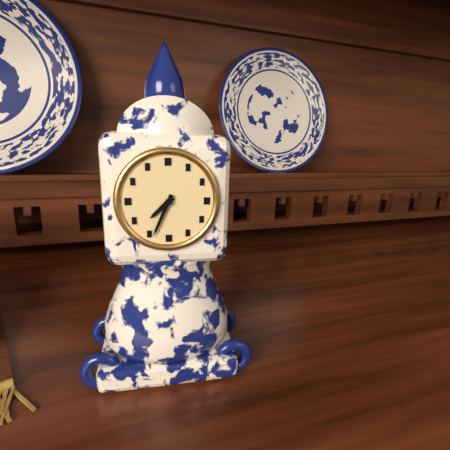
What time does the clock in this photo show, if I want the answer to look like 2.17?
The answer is 7.34
